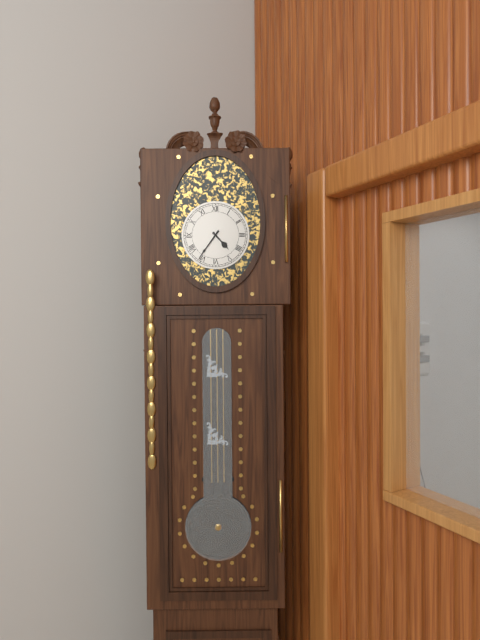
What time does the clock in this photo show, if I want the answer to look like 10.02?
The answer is 4.36
